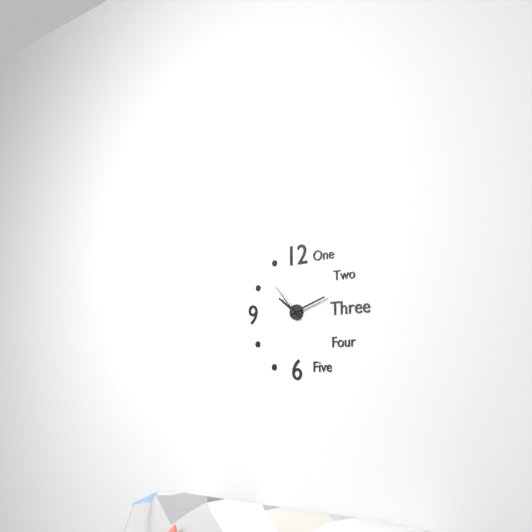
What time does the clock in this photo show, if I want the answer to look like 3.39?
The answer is 10.12
